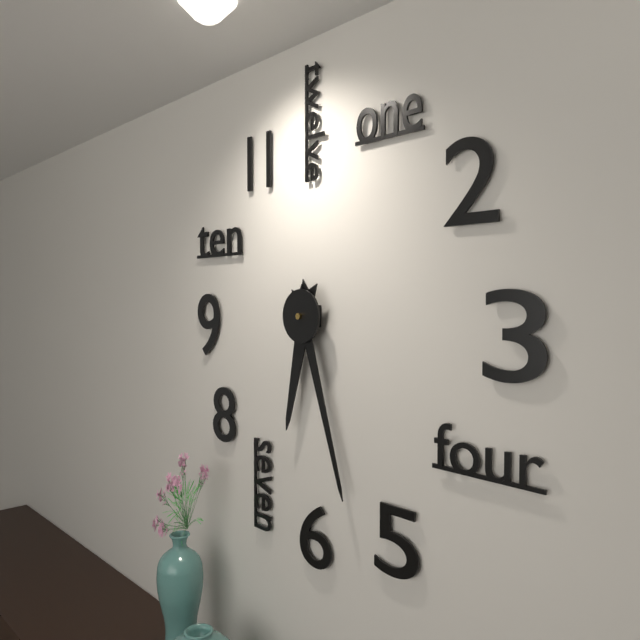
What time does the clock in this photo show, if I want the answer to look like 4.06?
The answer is 6.27
